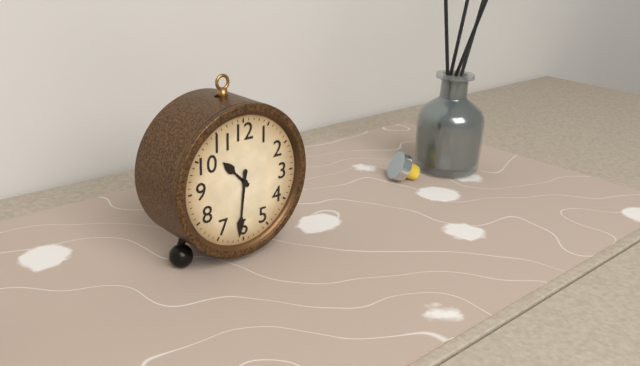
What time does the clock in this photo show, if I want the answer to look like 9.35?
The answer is 10.31
